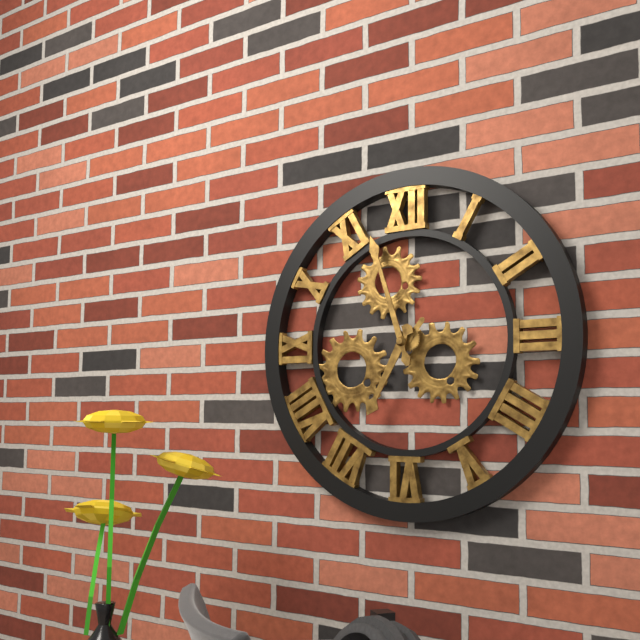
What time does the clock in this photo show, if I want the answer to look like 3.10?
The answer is 6.57
